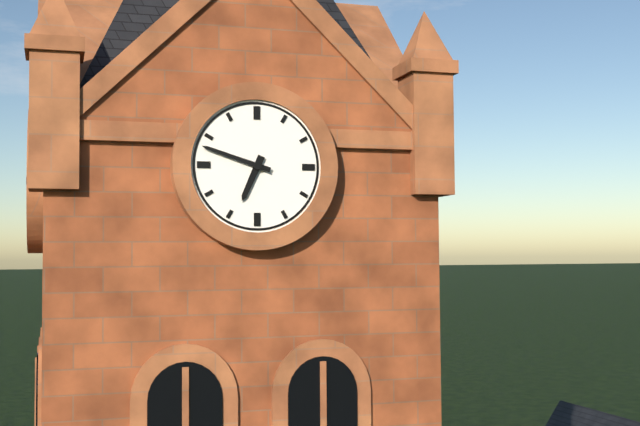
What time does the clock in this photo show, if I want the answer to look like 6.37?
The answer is 6.48
